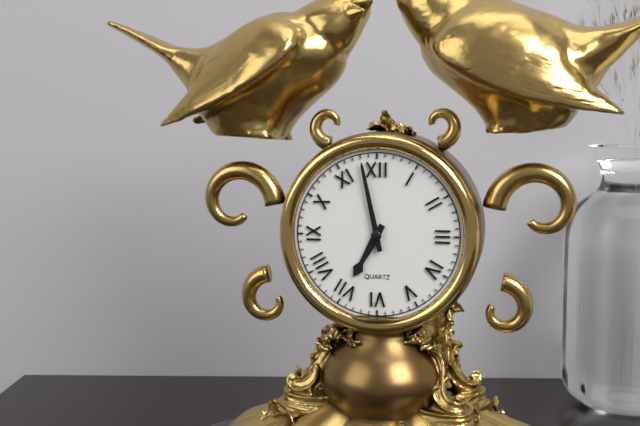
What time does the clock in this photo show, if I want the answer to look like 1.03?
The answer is 6.58
